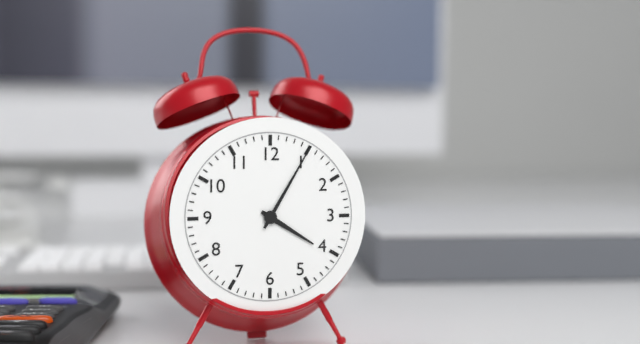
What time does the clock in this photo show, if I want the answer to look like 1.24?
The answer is 4.05
